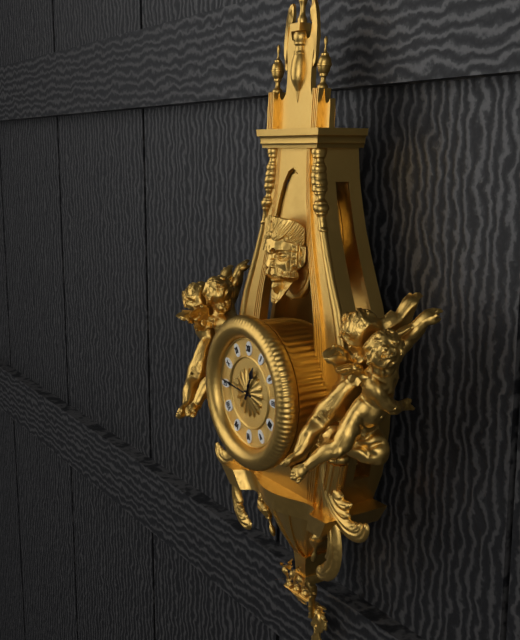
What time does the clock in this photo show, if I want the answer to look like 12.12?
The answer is 12.46
